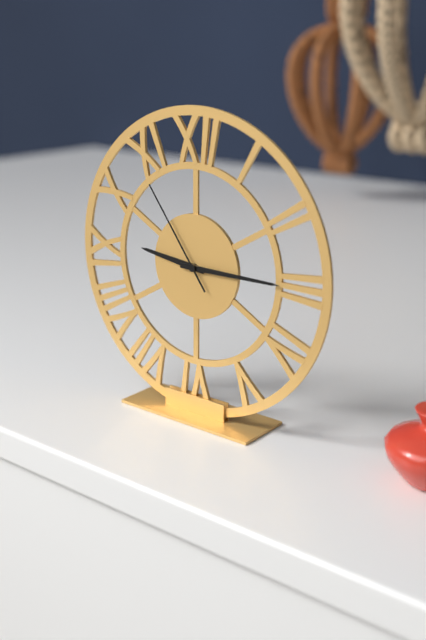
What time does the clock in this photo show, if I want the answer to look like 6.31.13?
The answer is 9.15.54
